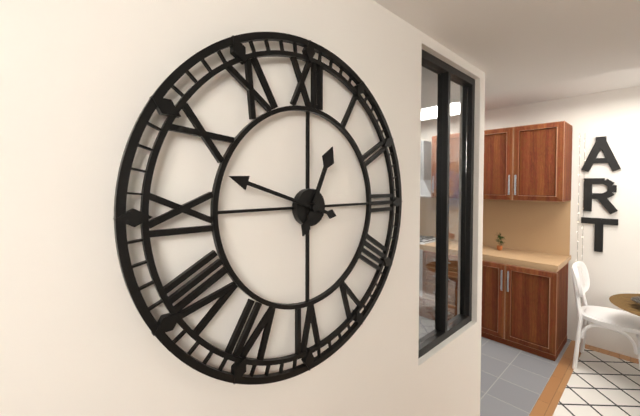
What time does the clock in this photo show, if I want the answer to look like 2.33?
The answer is 12.48
